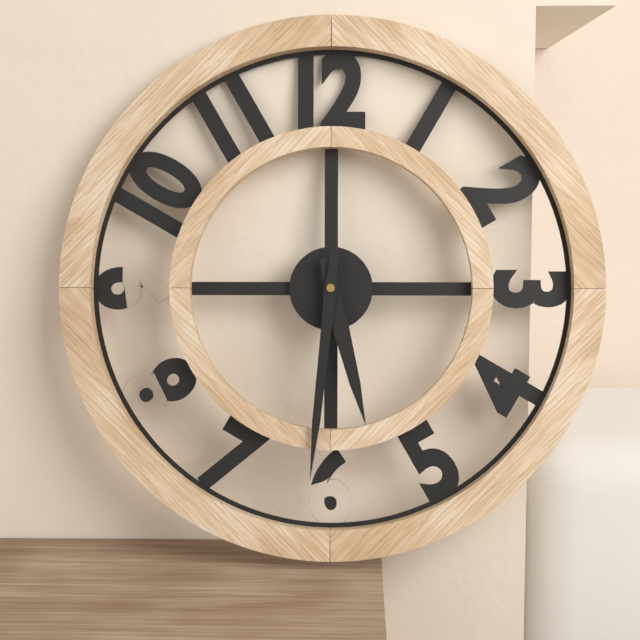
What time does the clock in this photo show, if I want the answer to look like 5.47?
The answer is 5.31
